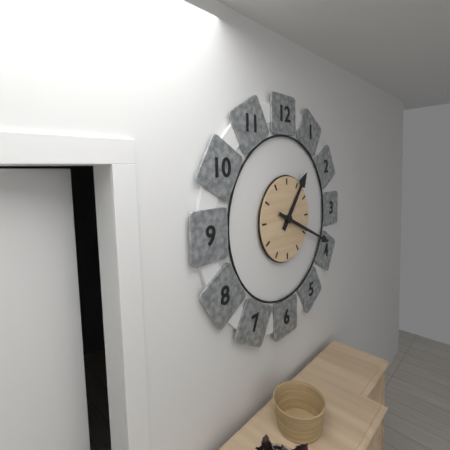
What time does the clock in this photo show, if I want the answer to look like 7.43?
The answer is 1.19
